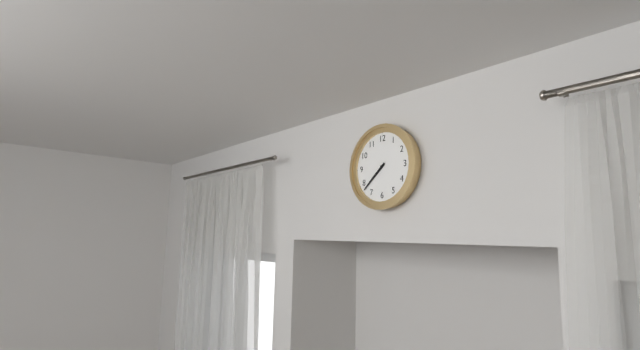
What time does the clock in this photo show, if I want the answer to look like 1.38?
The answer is 7.38
